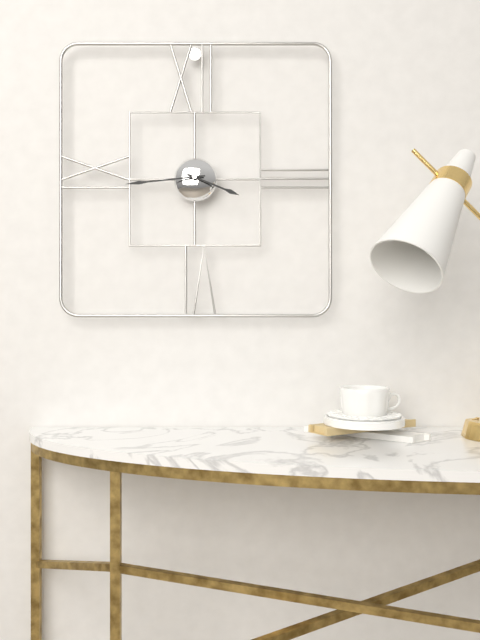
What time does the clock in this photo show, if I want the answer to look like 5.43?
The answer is 3.44
